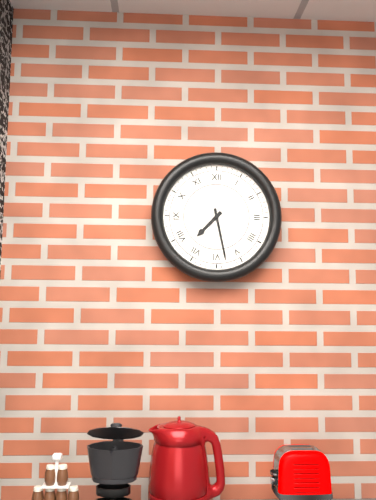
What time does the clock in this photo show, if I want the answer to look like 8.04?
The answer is 7.28
